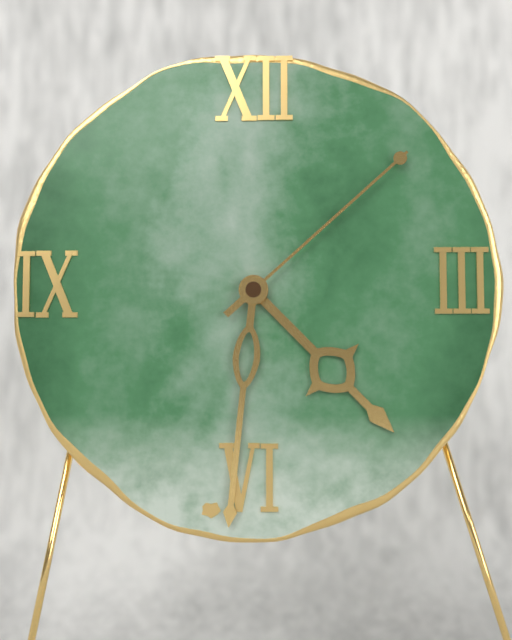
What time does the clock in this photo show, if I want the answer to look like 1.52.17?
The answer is 4.31.08
